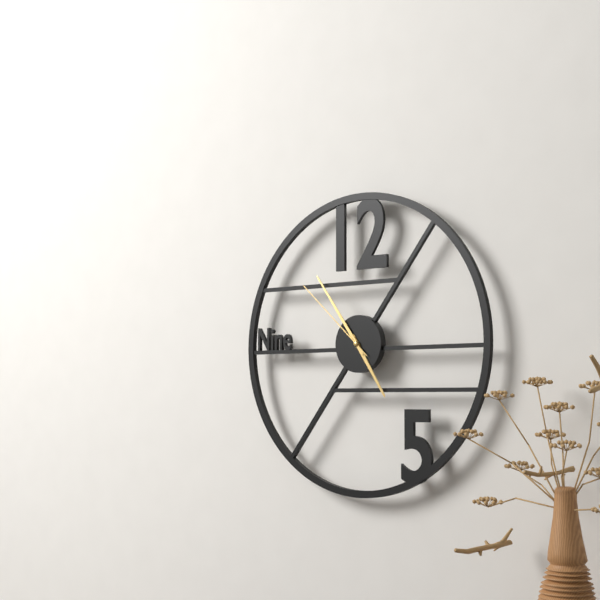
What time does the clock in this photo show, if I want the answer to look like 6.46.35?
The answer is 4.54.52
